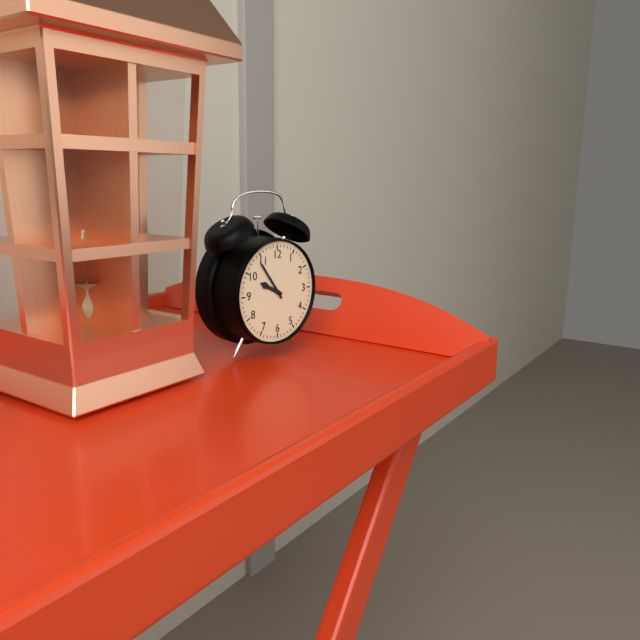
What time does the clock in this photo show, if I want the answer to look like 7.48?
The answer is 9.54
